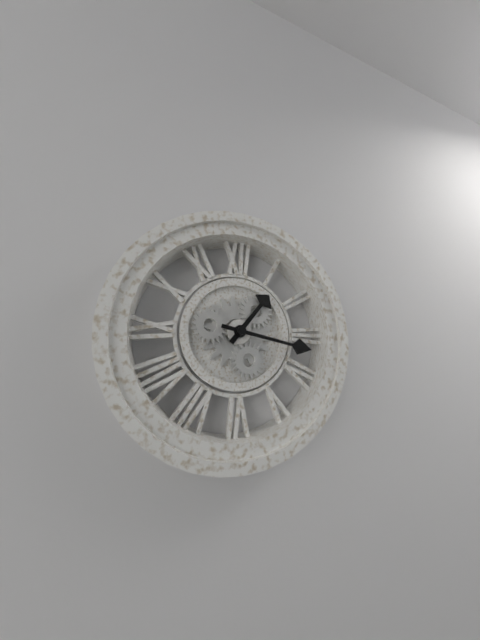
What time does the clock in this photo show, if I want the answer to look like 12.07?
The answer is 1.17
